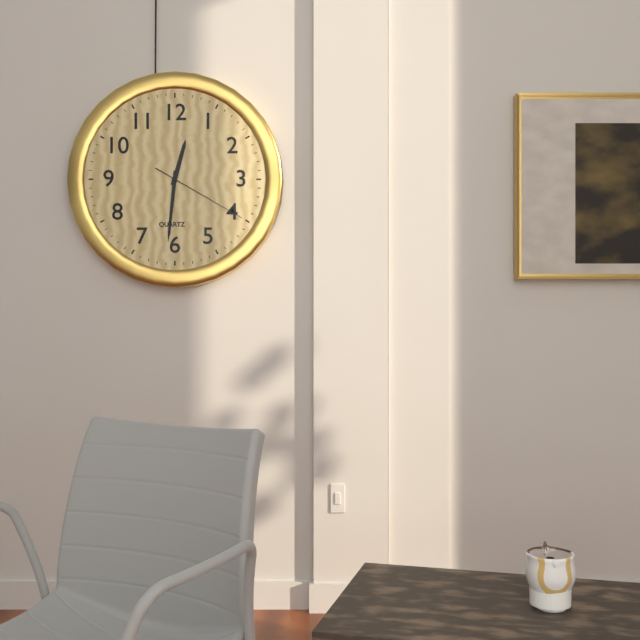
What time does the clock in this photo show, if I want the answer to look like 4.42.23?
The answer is 12.31.20
